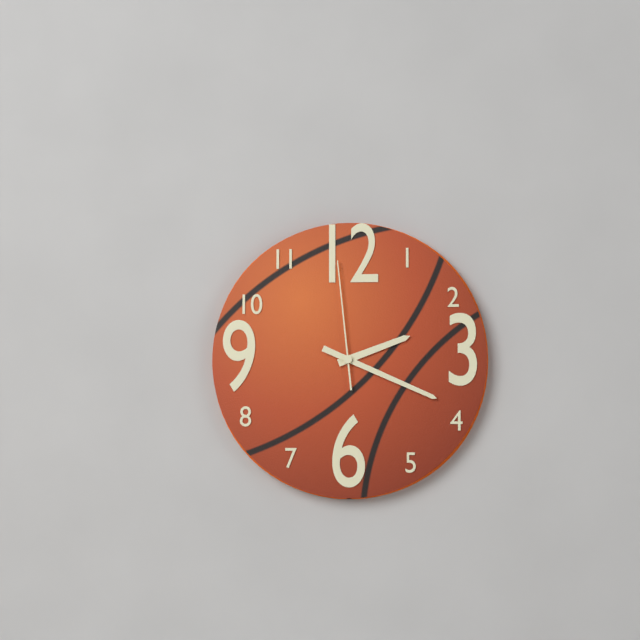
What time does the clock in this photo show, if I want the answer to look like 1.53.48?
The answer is 2.19.59
